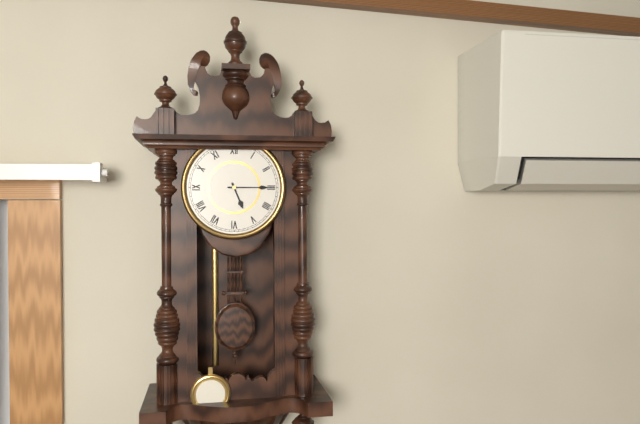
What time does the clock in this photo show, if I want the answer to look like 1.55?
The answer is 5.15
